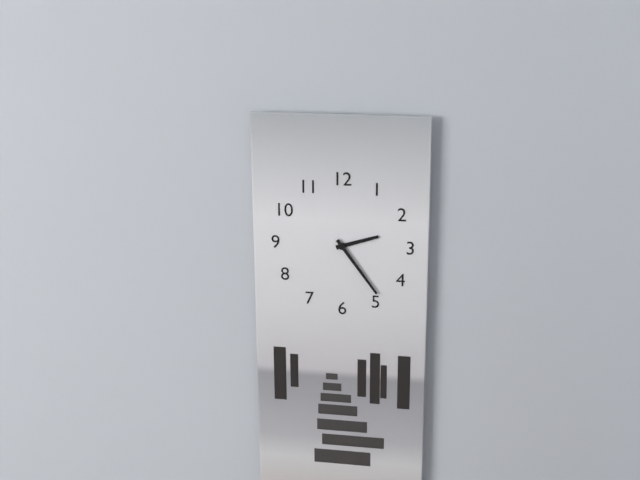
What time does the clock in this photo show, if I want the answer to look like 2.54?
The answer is 2.24
